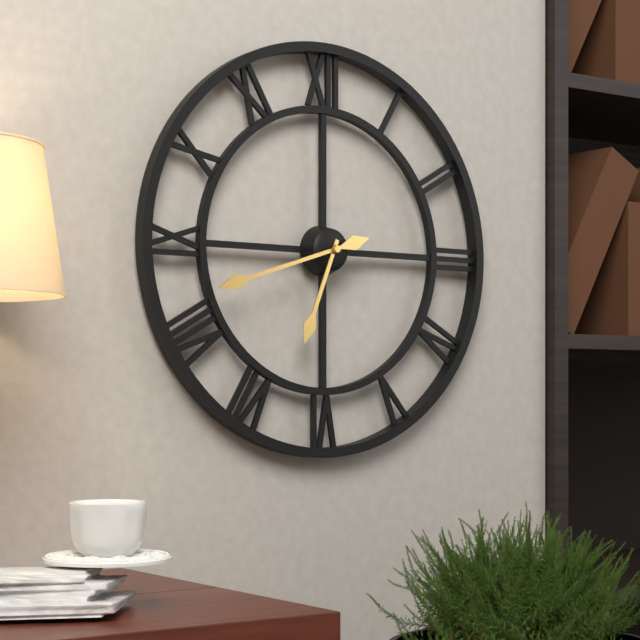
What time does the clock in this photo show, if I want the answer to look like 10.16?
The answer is 6.42
